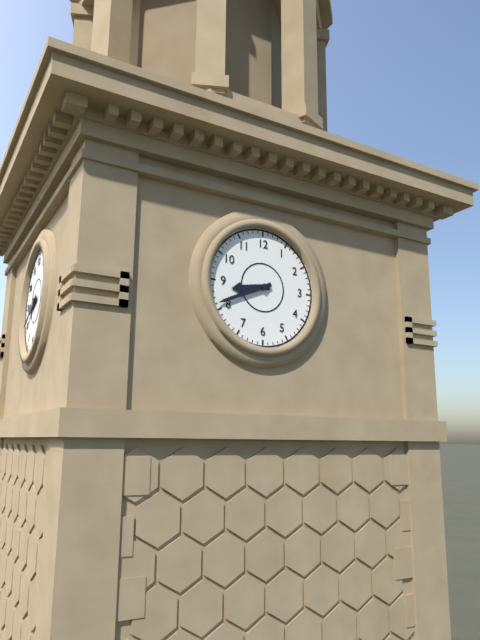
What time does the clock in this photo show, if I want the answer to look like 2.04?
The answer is 8.41
